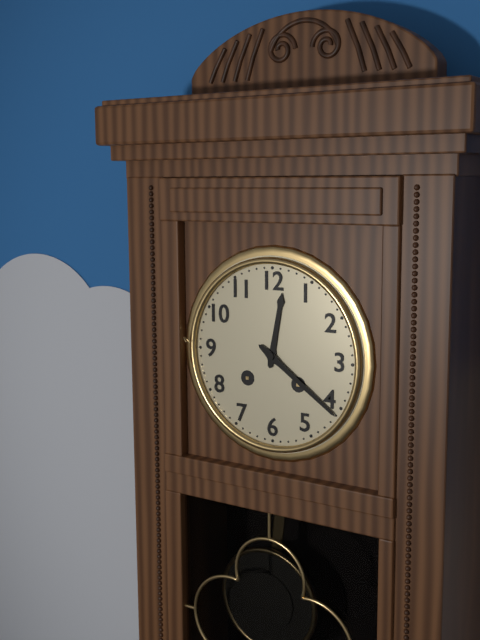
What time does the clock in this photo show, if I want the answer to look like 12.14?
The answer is 12.21
